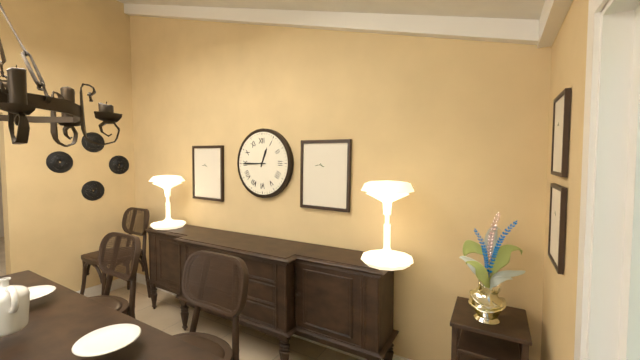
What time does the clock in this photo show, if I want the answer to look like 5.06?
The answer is 12.45
